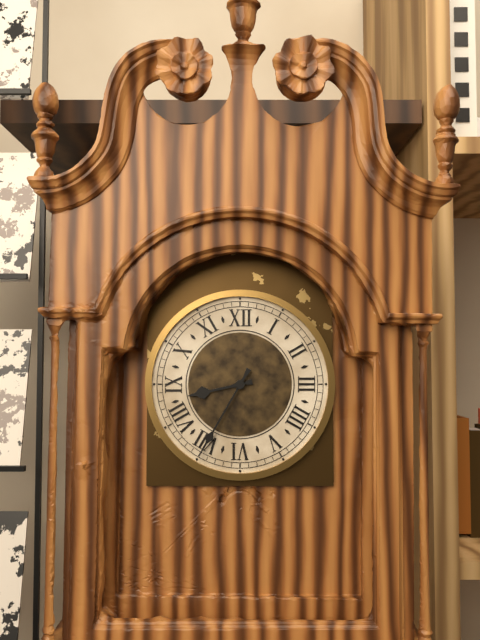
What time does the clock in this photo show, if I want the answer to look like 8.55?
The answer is 8.35
